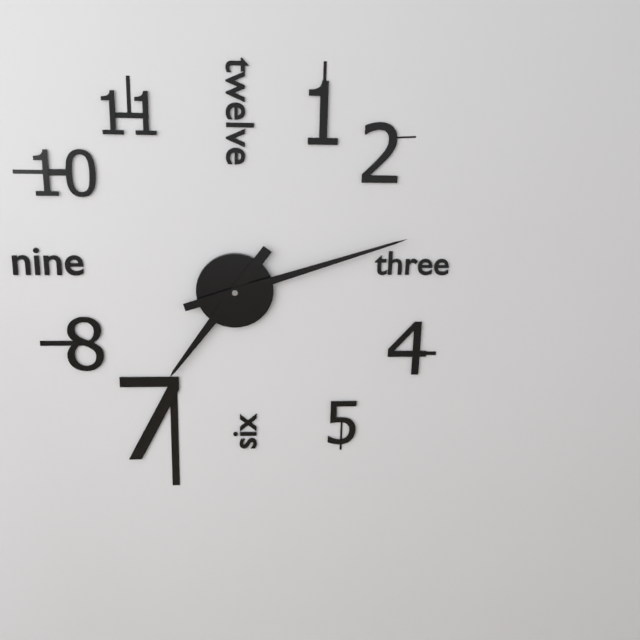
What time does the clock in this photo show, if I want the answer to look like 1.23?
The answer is 7.12
